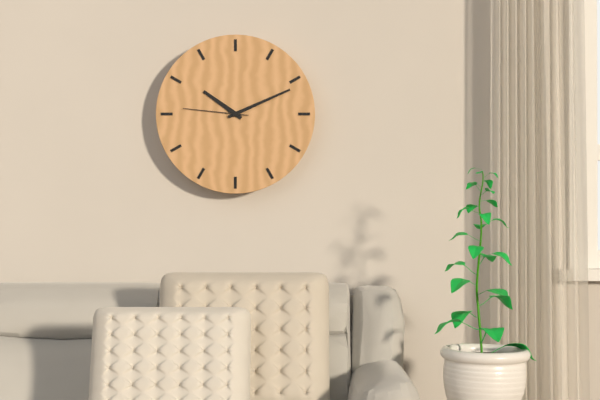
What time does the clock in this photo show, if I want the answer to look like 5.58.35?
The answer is 10.11.46
